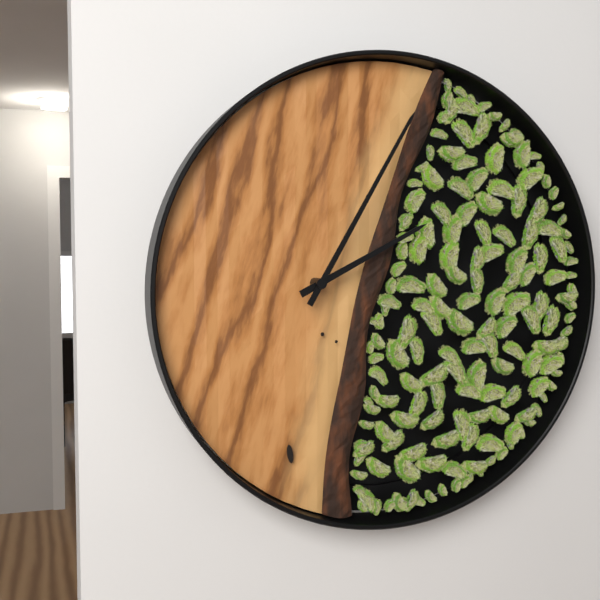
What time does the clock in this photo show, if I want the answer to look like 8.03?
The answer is 2.05
